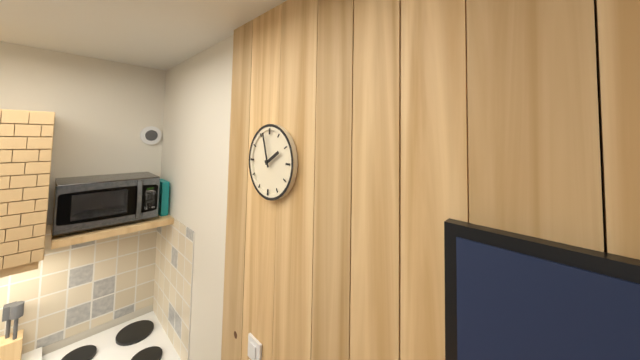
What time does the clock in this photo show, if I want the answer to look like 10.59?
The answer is 1.57
